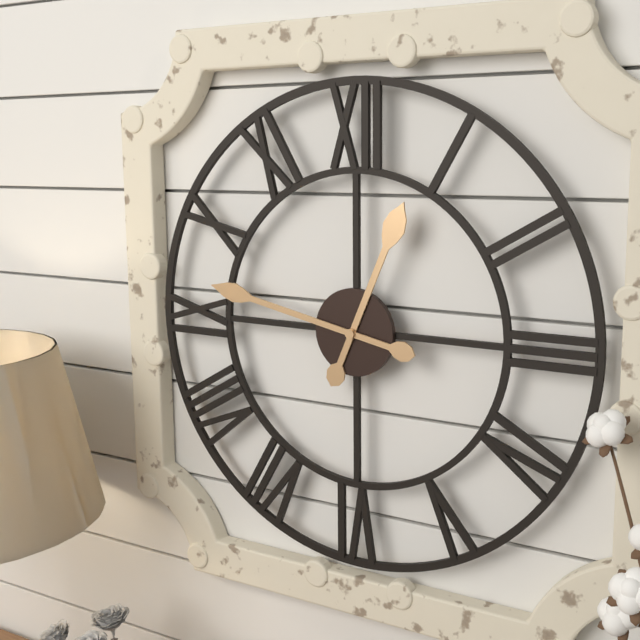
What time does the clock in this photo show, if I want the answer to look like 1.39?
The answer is 12.47
